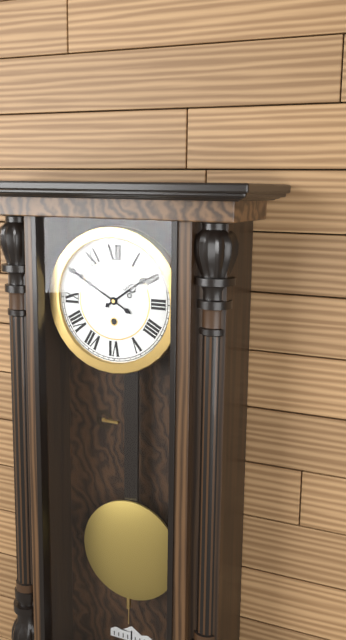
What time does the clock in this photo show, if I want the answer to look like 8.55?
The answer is 1.50
